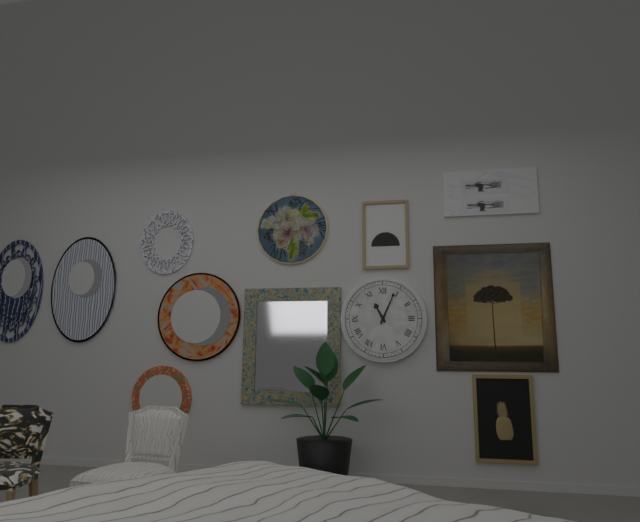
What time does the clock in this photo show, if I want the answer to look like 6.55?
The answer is 11.04
